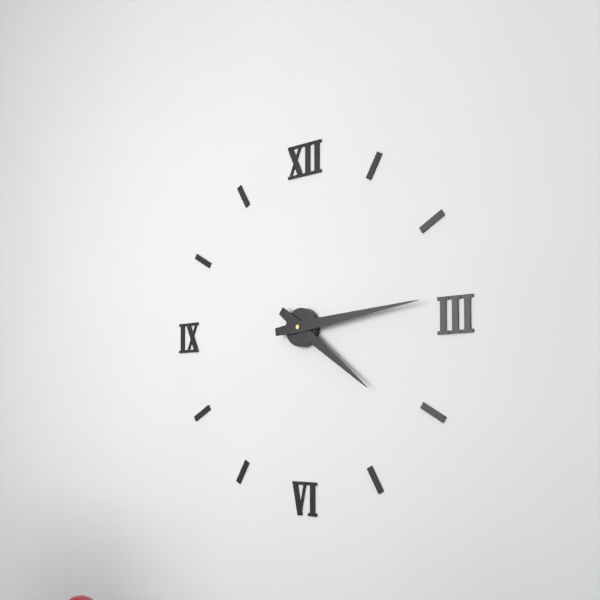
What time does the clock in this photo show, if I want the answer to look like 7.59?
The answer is 4.14
